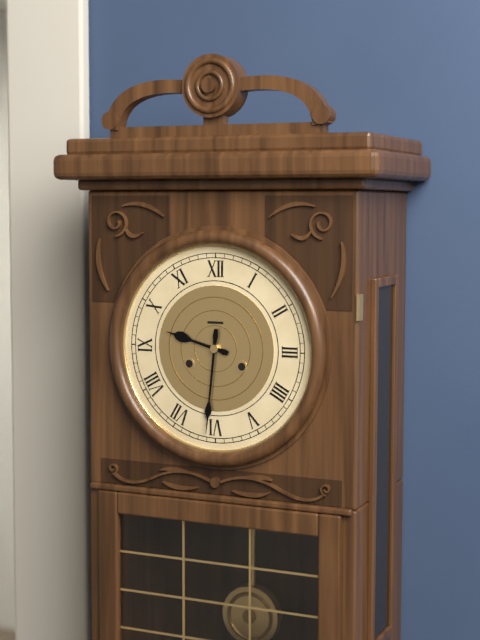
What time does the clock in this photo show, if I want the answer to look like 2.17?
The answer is 9.31
